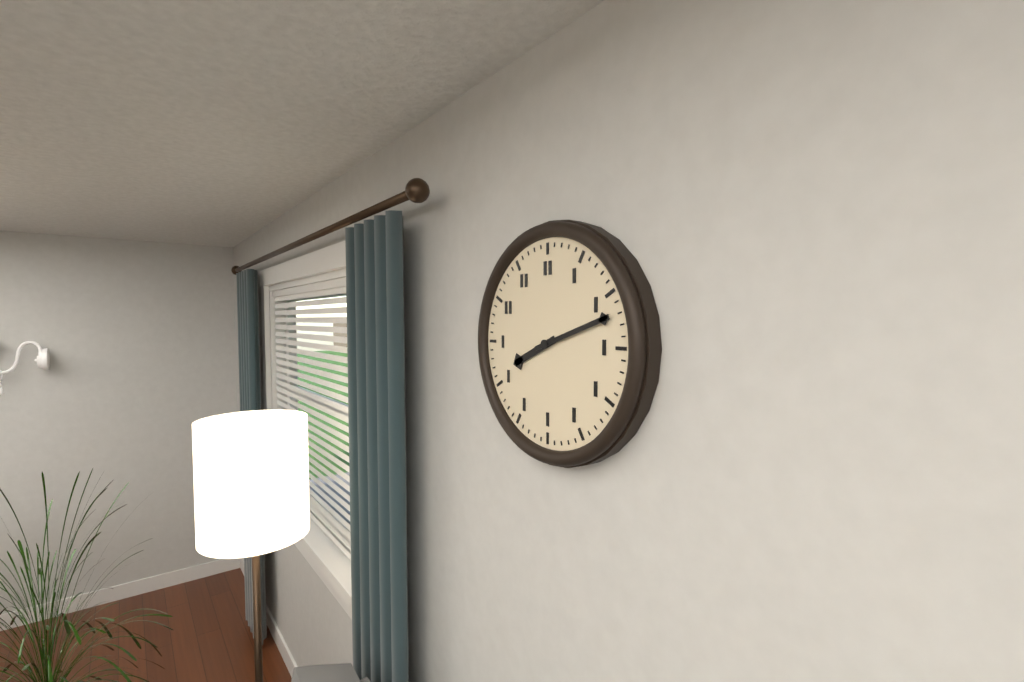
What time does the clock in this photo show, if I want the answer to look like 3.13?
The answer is 8.12
